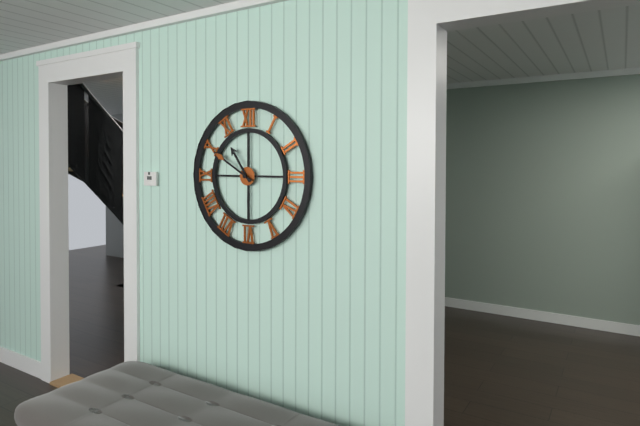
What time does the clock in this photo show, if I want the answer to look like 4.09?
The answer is 10.50
